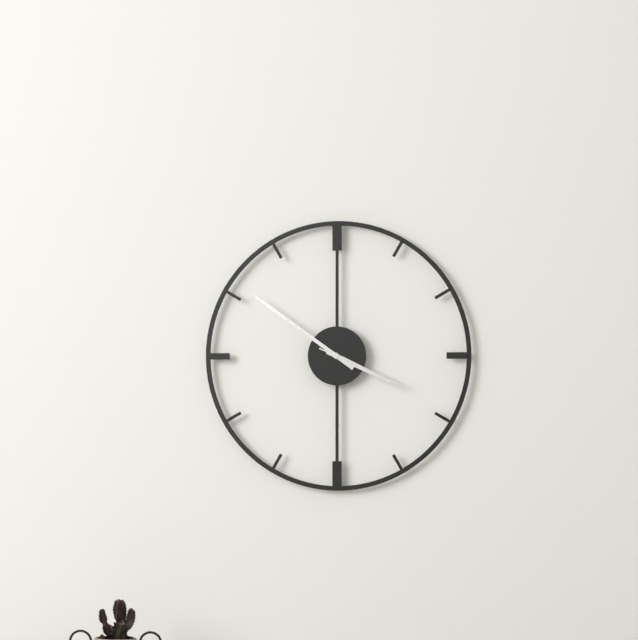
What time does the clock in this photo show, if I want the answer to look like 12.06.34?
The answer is 3.51.19
